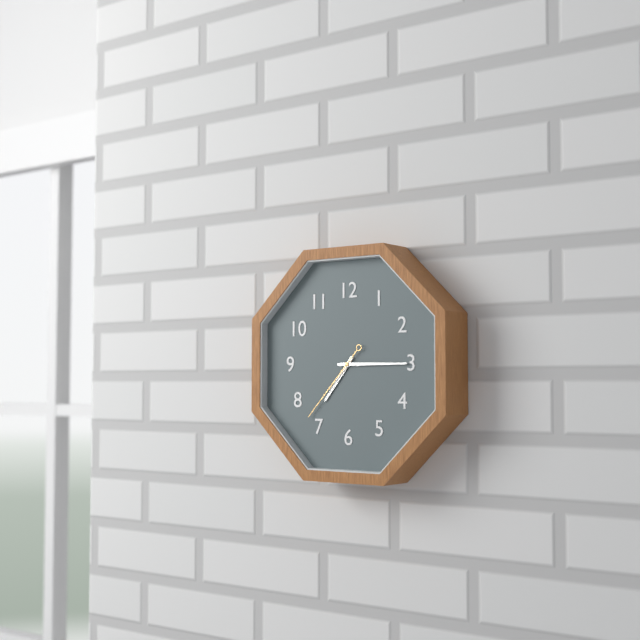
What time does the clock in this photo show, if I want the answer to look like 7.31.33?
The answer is 7.15.37
